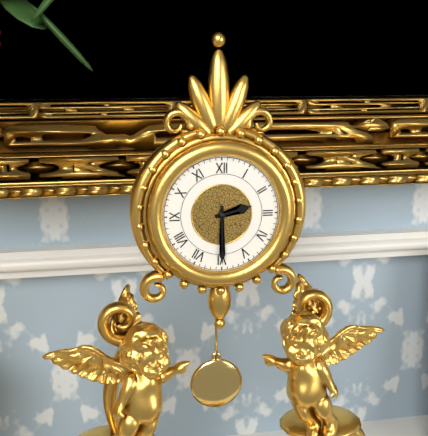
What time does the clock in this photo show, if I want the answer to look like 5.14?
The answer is 2.30
